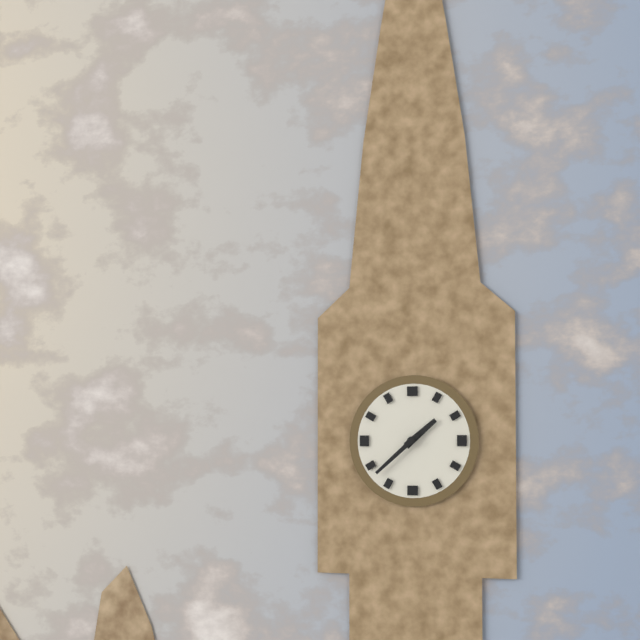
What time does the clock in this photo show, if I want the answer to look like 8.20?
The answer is 1.38
